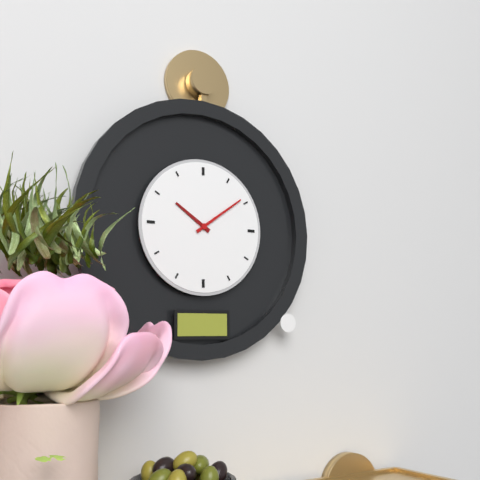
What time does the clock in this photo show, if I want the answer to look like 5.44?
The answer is 10.09
